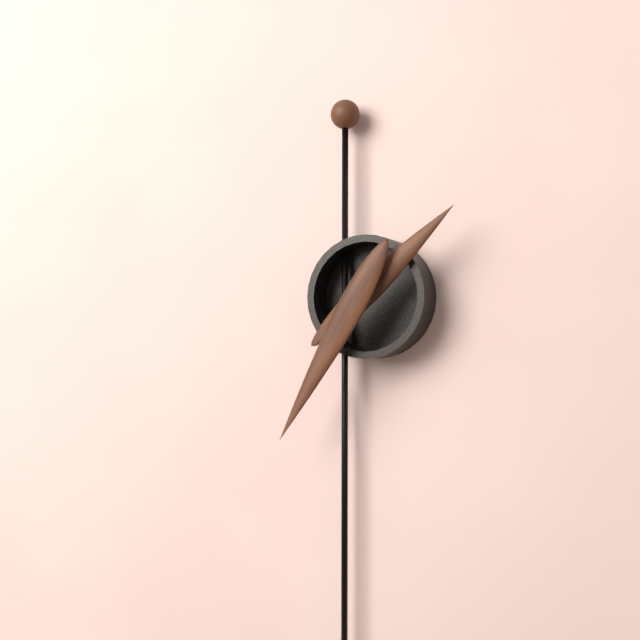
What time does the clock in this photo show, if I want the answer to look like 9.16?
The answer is 1.35
